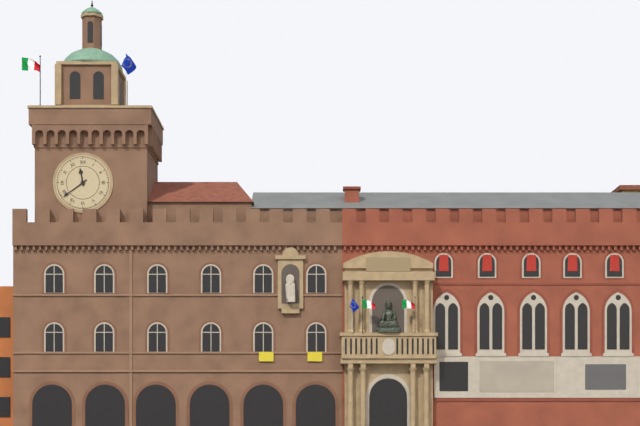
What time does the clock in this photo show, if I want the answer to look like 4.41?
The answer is 11.39
